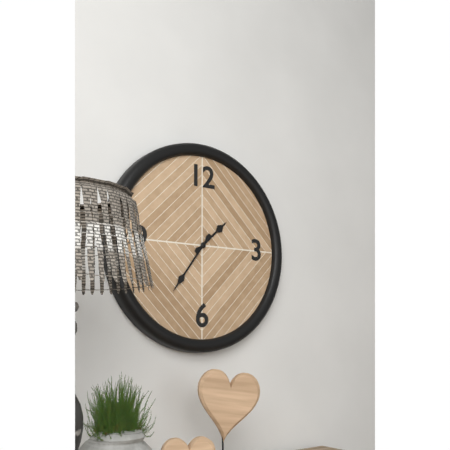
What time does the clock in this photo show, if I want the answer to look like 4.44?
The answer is 1.36
